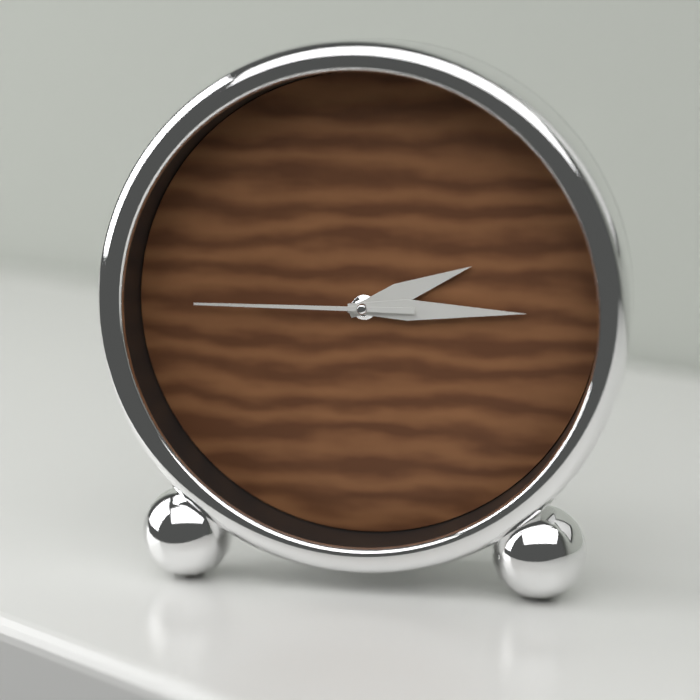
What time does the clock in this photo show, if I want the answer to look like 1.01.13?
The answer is 2.15.45
